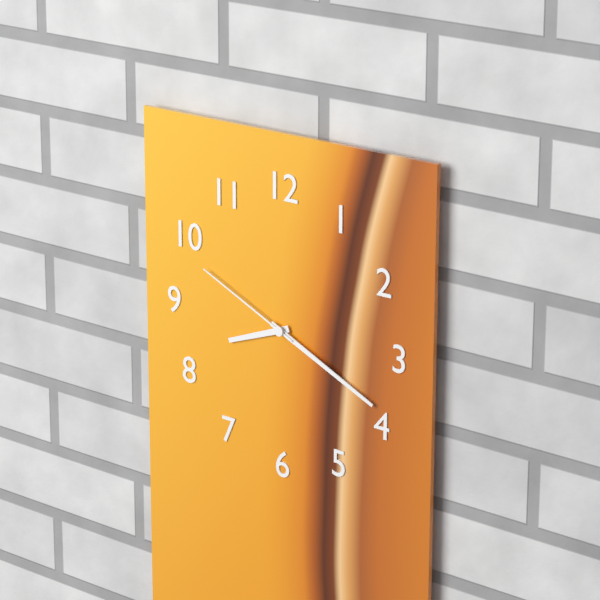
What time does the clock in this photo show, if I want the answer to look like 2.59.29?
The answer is 8.19.49
